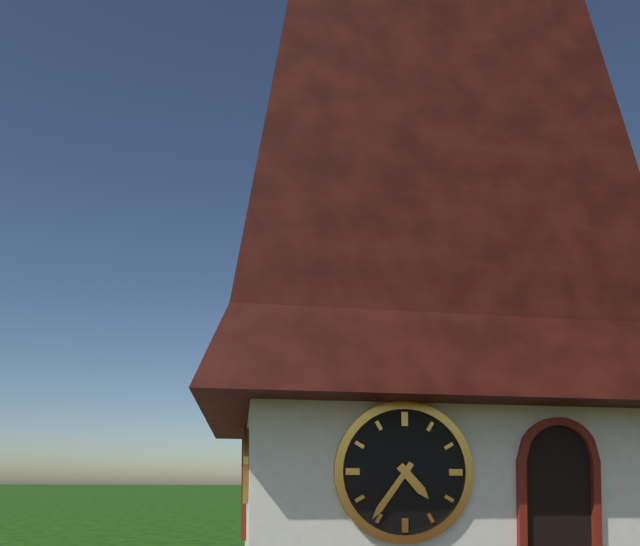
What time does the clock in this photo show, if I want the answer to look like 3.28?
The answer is 4.36
